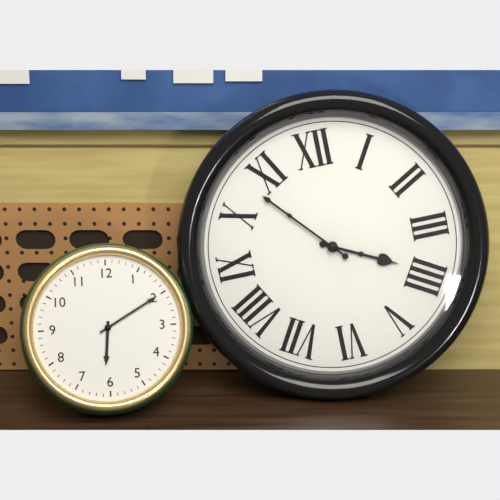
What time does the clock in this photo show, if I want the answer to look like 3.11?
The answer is 3.53
